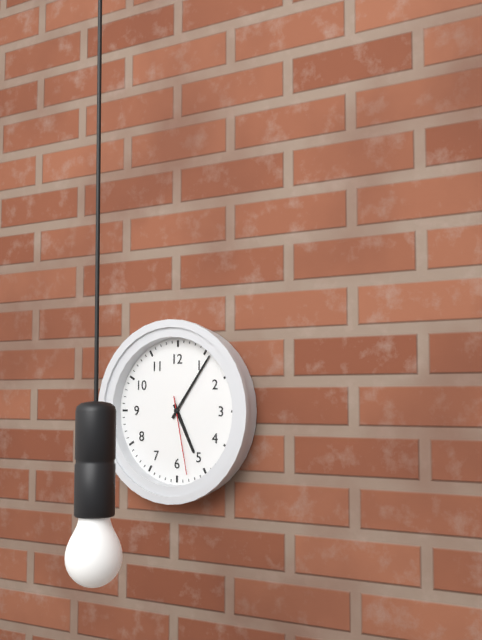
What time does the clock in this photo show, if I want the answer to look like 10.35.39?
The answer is 5.06.28
